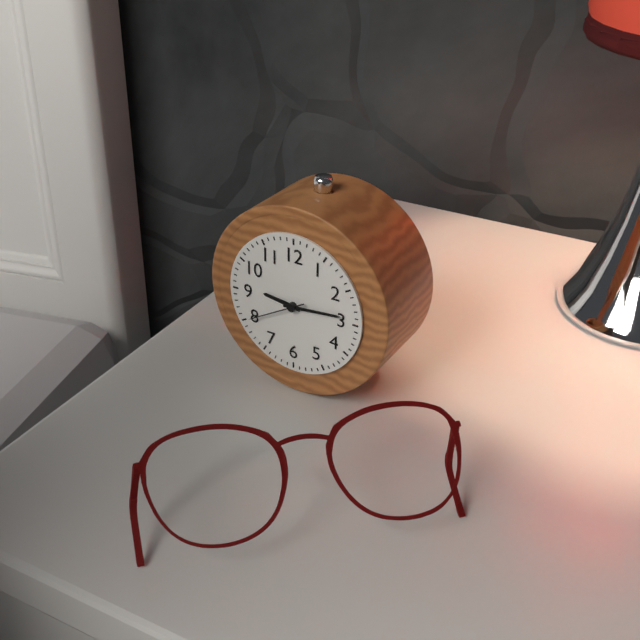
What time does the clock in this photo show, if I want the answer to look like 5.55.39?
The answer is 9.14.40
